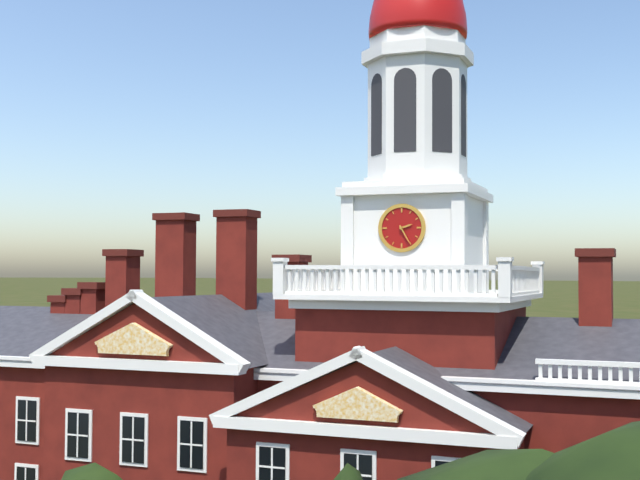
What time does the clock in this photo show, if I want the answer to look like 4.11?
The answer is 2.25
